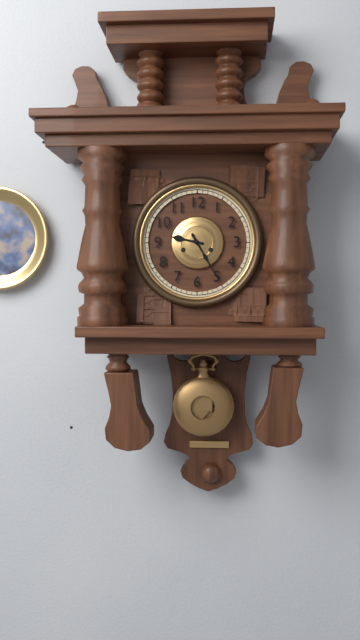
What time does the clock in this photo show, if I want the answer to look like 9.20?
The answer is 9.25
